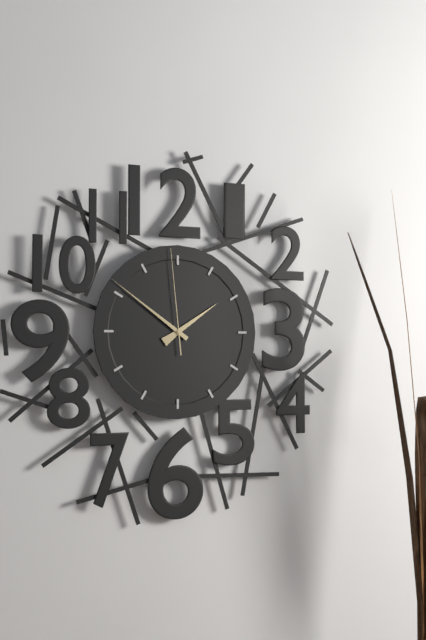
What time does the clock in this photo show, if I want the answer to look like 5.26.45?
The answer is 1.51.59
